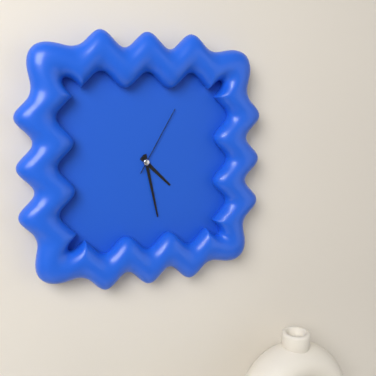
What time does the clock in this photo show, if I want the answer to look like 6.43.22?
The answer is 4.28.05
